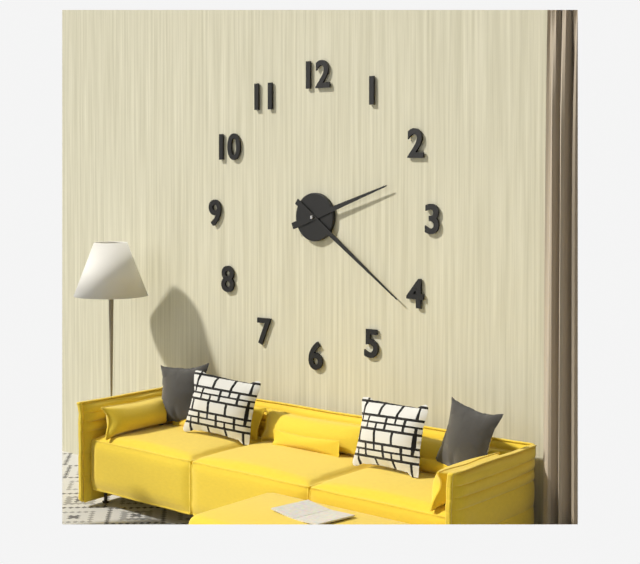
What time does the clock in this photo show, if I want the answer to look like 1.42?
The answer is 2.21
